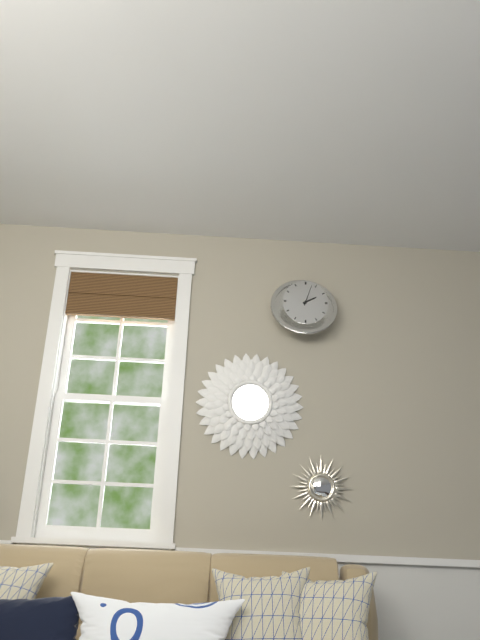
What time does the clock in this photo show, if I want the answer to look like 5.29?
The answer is 2.03
